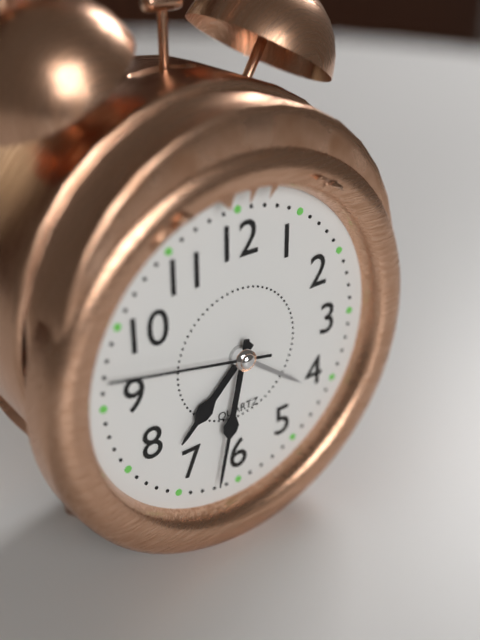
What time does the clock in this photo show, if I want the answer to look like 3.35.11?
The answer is 7.32.47
